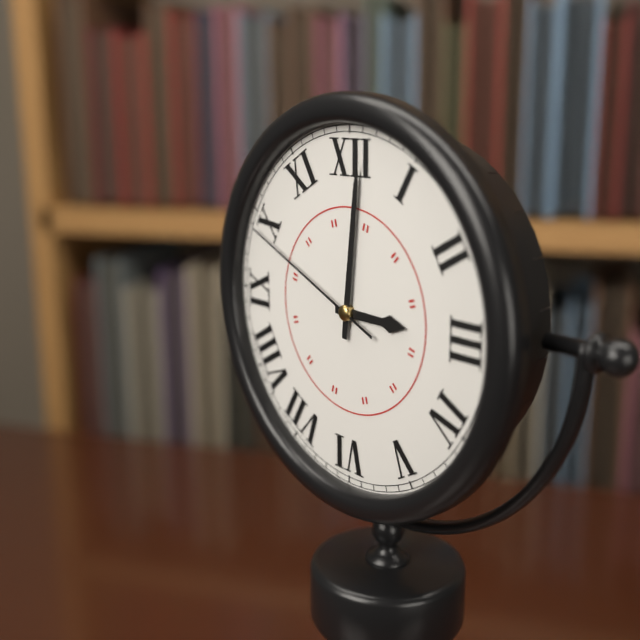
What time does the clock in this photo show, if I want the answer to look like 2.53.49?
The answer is 3.01.49
